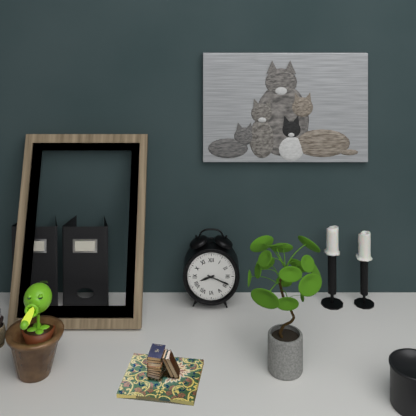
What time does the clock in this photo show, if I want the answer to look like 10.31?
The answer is 8.19
